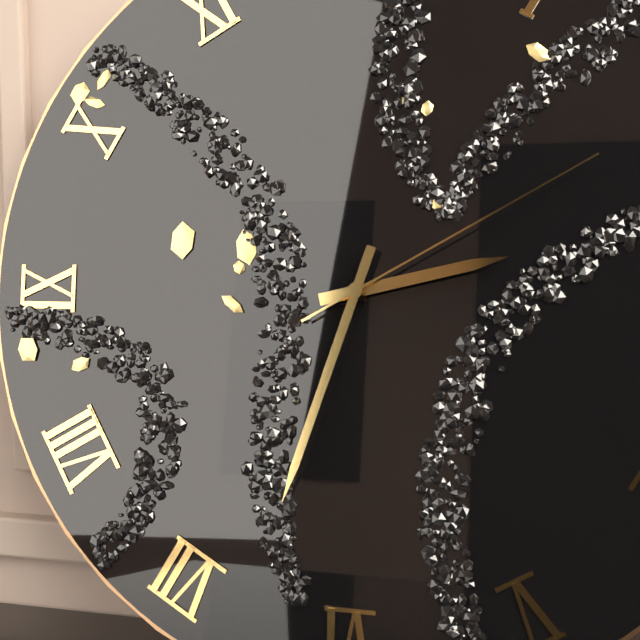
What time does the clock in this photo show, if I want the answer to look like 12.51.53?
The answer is 2.33.10
